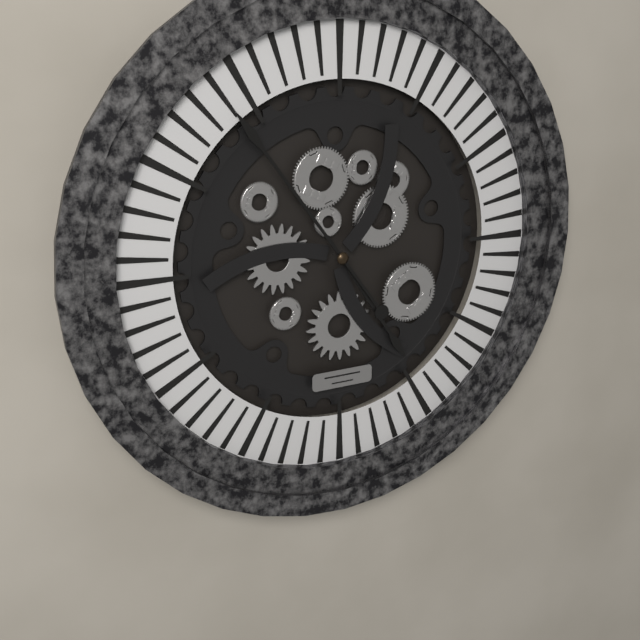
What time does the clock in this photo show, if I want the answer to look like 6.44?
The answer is 4.54
